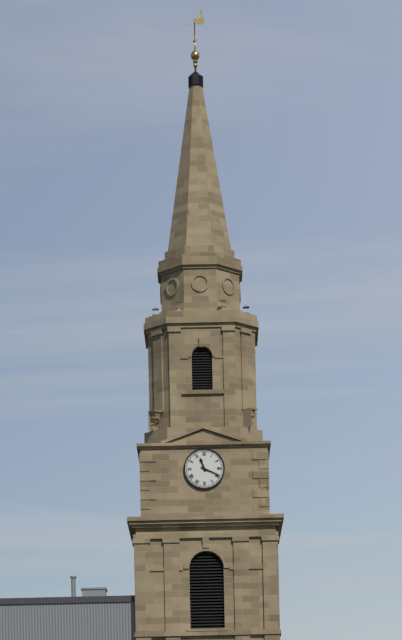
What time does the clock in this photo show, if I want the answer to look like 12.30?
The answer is 11.19
